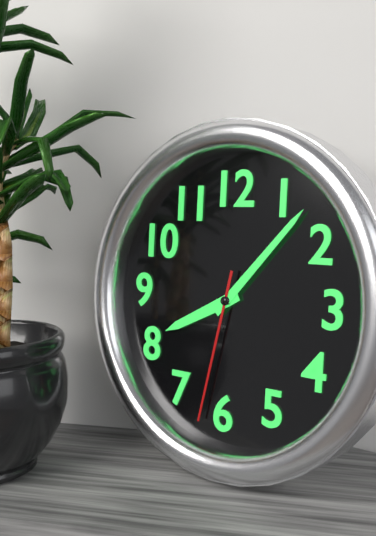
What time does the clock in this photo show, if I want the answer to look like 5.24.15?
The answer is 8.07.32
